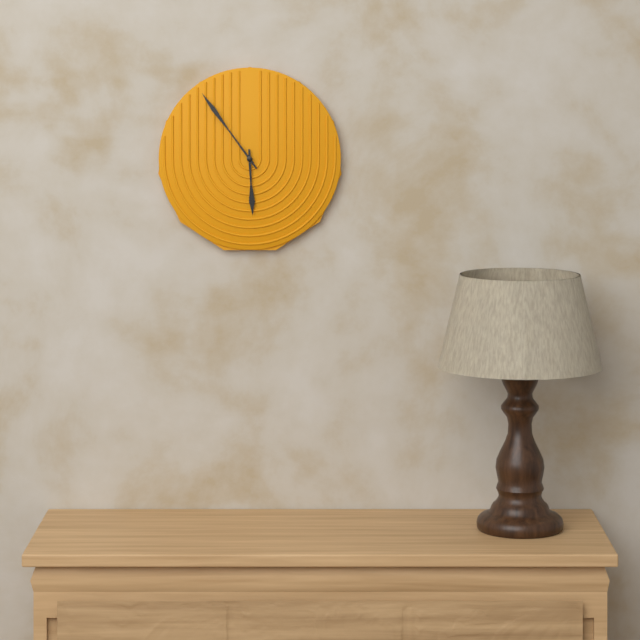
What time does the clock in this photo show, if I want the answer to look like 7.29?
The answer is 5.54
